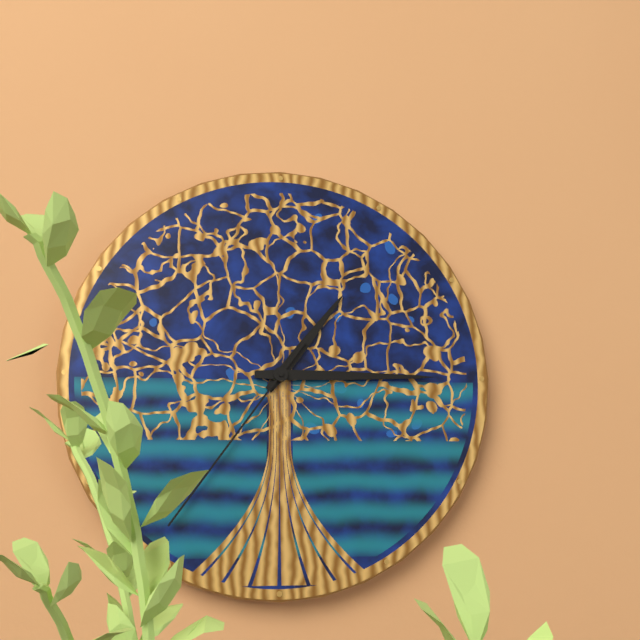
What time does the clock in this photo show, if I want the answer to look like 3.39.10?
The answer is 1.15.36
